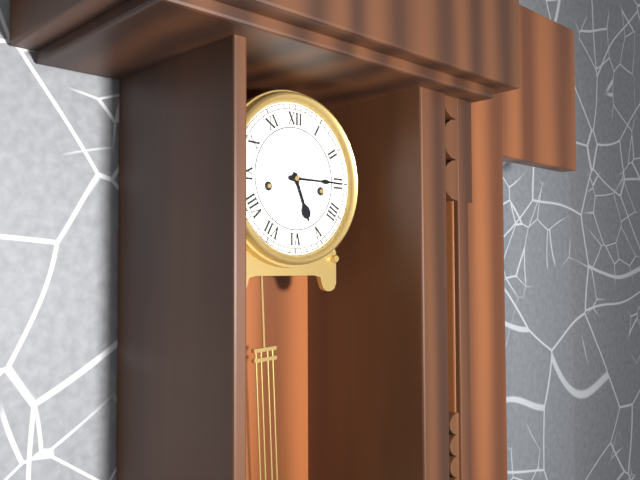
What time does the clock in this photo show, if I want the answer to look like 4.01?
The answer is 5.15
